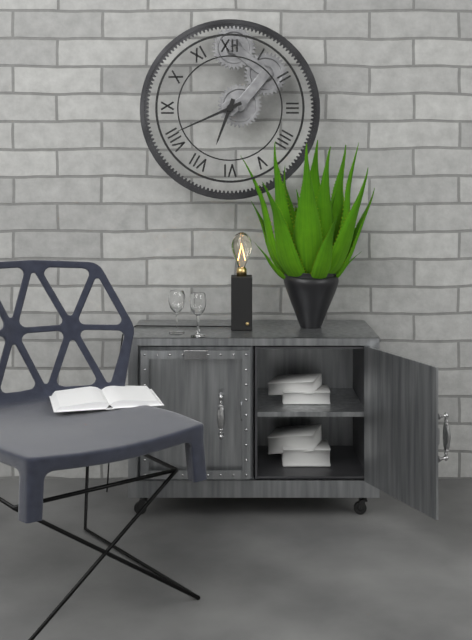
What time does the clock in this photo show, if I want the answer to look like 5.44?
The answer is 6.41
